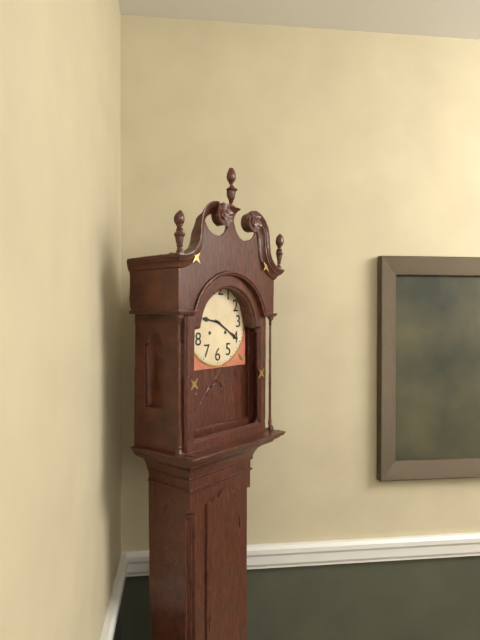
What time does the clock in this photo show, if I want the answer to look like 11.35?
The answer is 9.20
